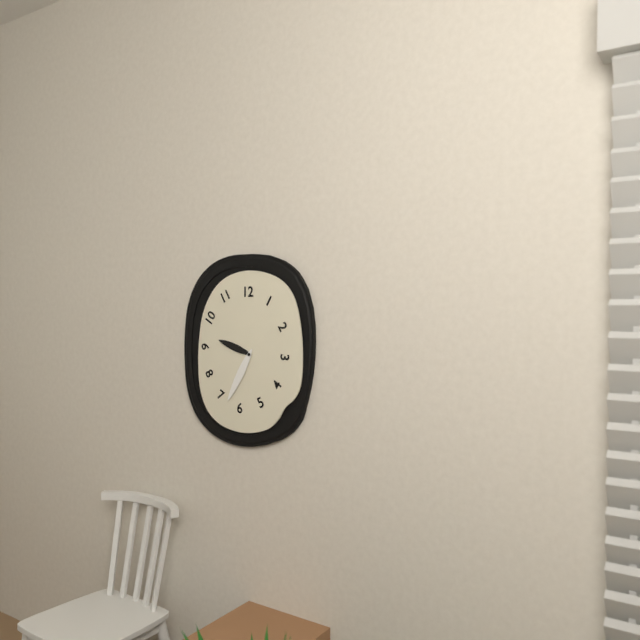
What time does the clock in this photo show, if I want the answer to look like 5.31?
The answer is 9.35
